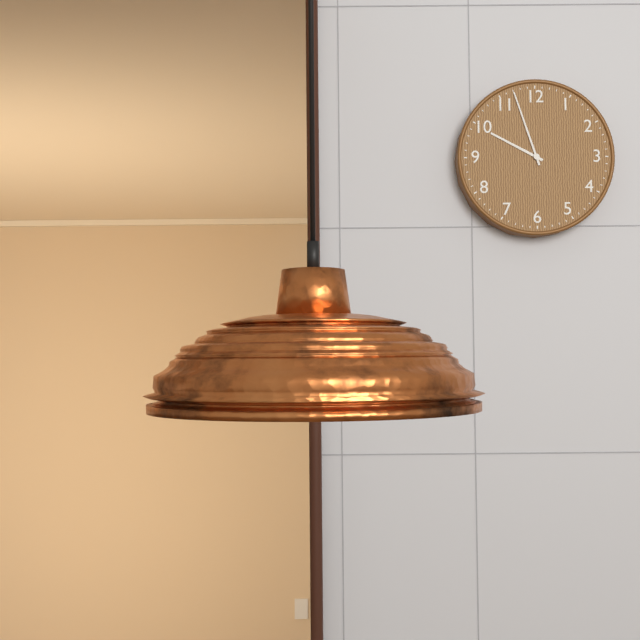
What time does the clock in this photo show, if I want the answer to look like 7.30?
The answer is 9.57
